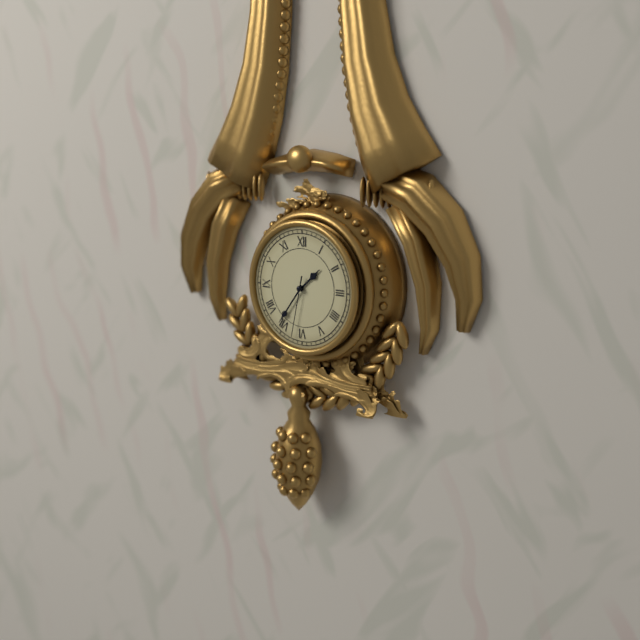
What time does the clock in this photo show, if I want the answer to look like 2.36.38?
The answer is 1.36.32
